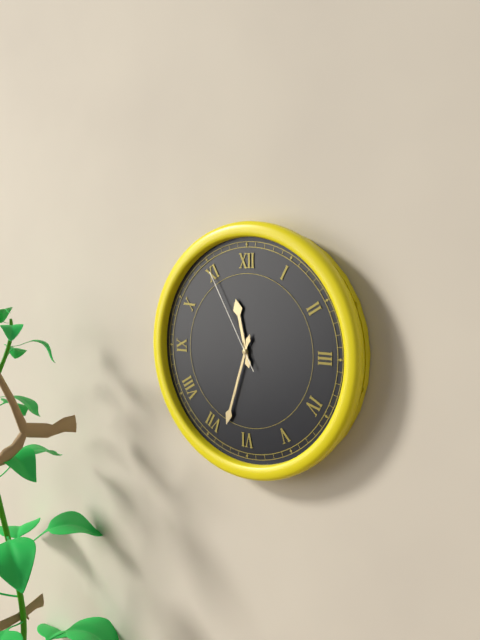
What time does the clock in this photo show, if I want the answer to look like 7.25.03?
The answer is 11.33.55
